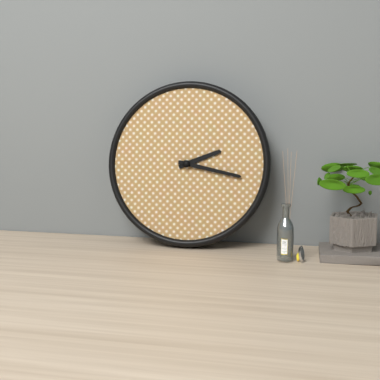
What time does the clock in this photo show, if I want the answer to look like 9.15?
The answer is 2.17
